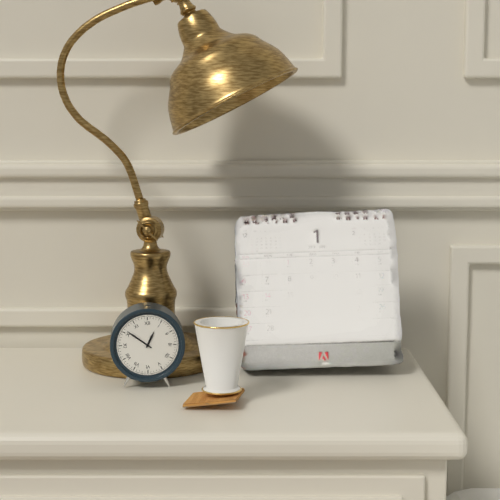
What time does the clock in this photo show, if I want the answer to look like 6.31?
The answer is 12.51
